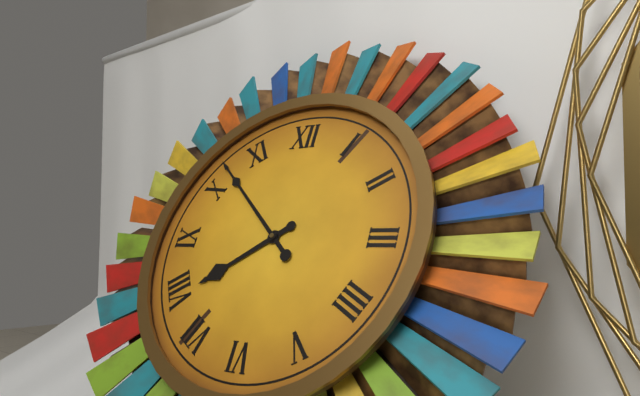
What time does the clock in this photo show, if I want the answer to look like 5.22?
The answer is 7.52
